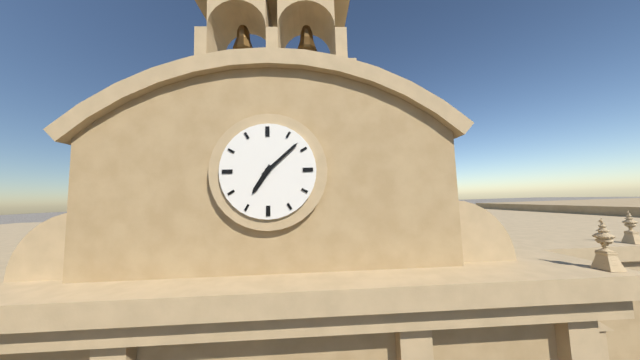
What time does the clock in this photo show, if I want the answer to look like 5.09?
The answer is 7.08
